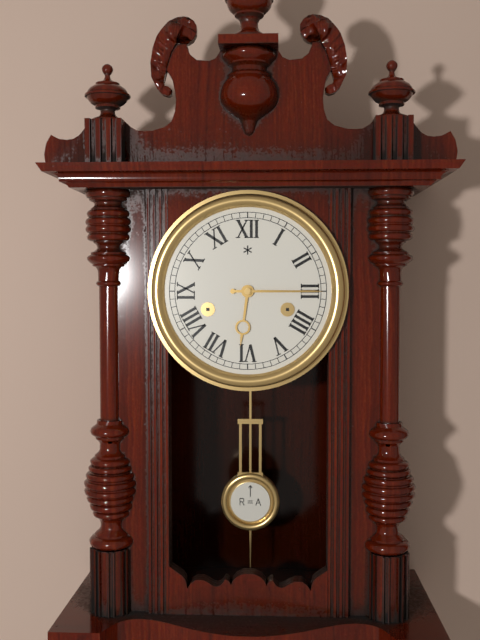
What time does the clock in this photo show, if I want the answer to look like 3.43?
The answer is 6.15
